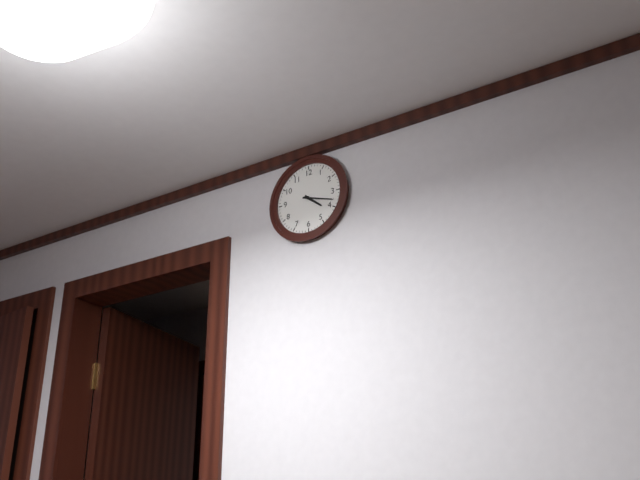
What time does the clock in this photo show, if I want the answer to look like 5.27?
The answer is 4.18
